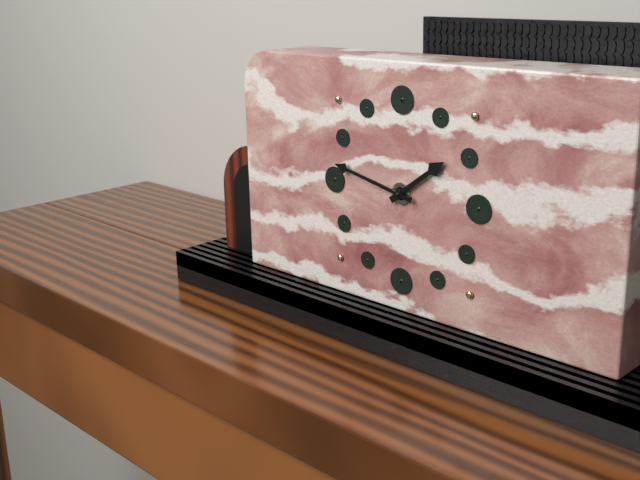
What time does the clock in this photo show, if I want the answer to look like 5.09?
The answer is 1.47
